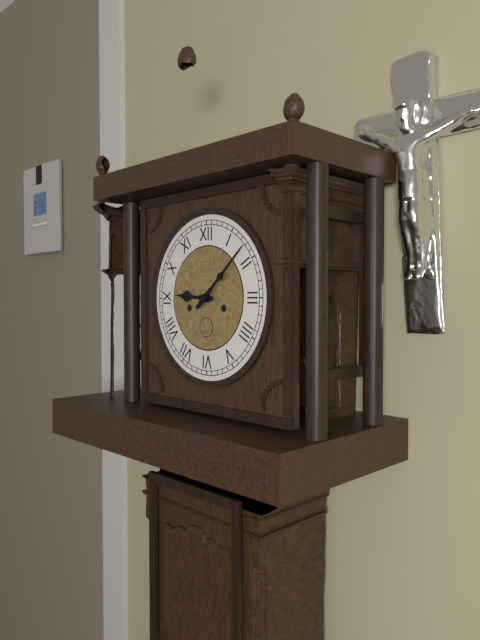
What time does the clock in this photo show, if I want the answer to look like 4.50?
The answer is 9.08
